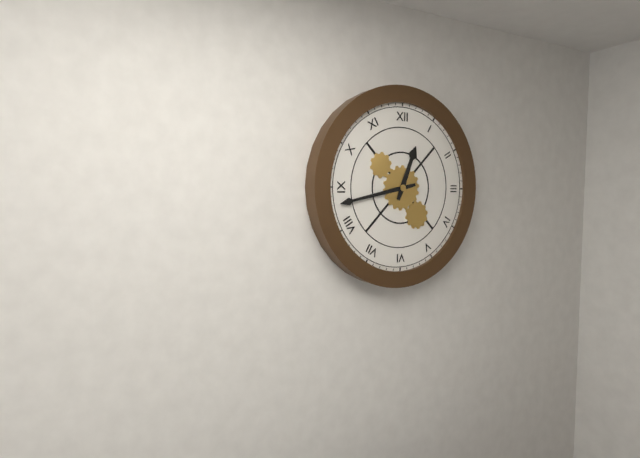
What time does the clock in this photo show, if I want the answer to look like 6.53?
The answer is 12.43
